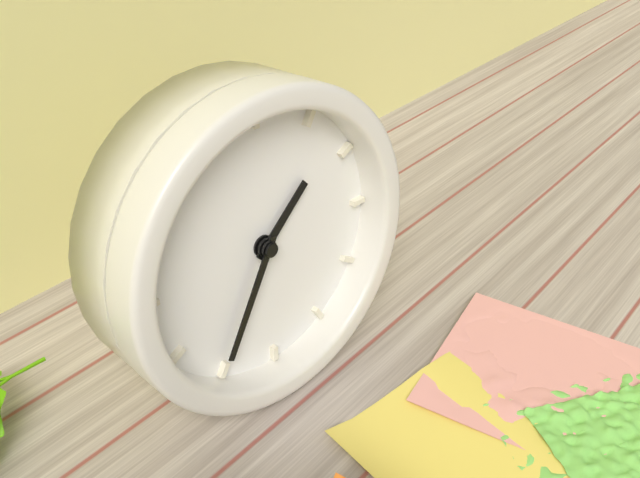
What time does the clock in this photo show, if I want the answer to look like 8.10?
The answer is 1.35
